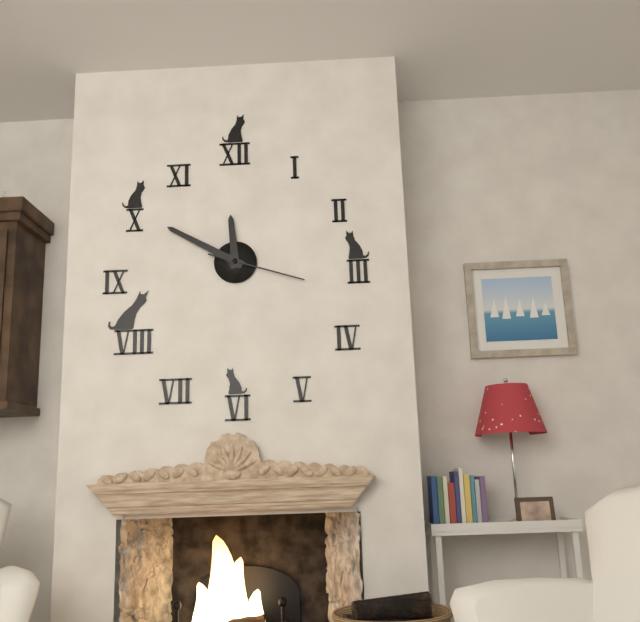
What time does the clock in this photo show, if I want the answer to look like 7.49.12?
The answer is 11.50.18
